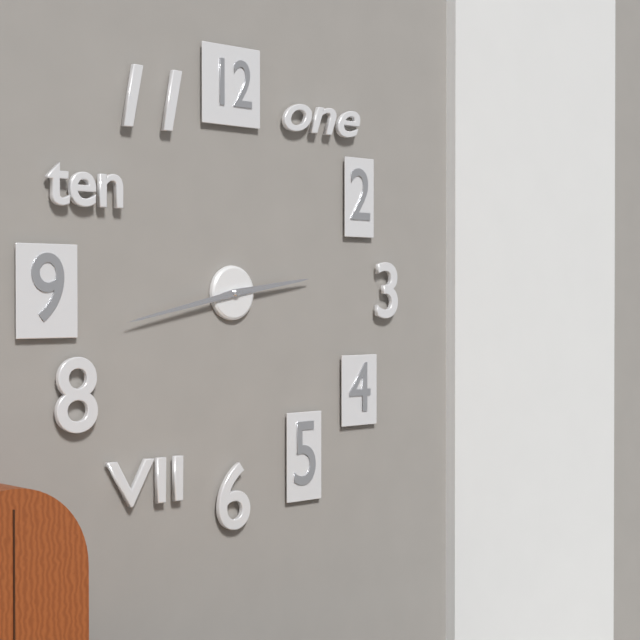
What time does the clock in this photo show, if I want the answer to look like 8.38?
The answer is 2.43
